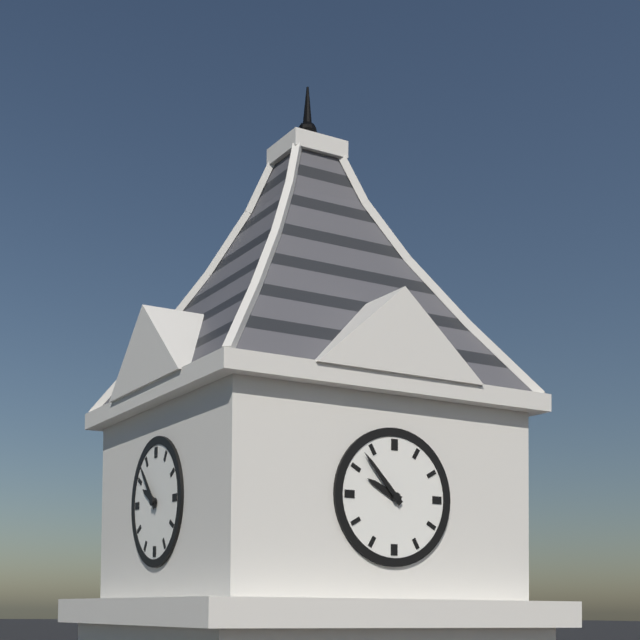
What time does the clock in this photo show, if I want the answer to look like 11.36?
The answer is 9.53
